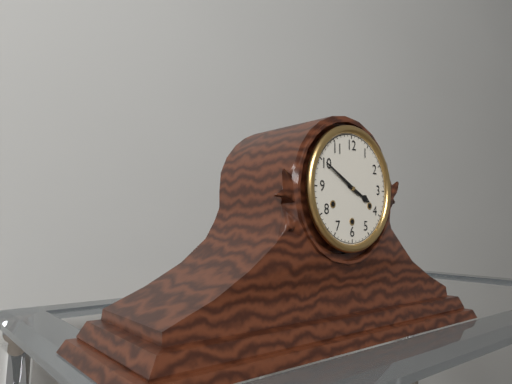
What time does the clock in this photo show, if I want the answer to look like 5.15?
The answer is 3.50
